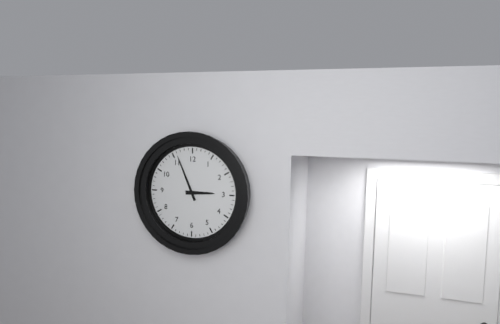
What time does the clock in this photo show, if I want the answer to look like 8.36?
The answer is 2.56
